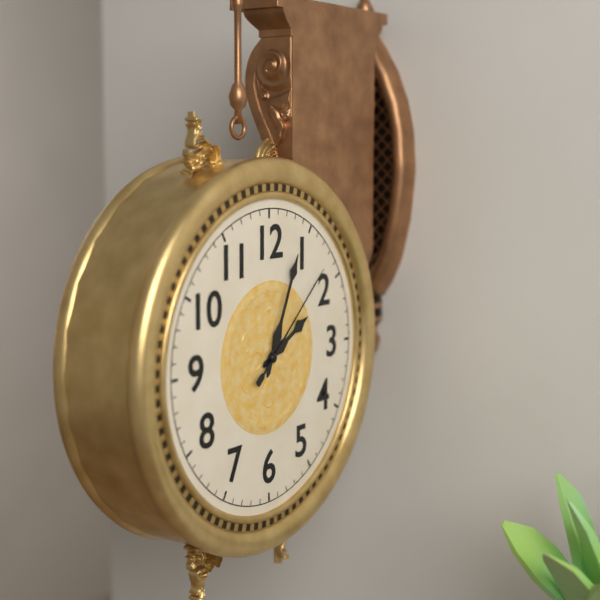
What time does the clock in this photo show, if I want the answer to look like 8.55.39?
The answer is 2.04.08
